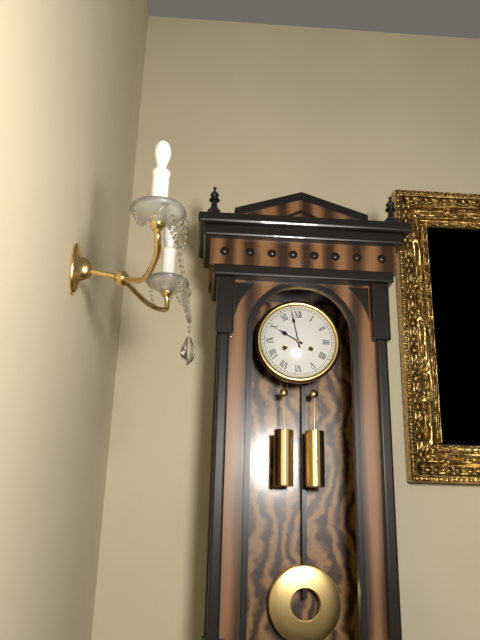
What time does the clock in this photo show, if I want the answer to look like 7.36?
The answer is 9.58
